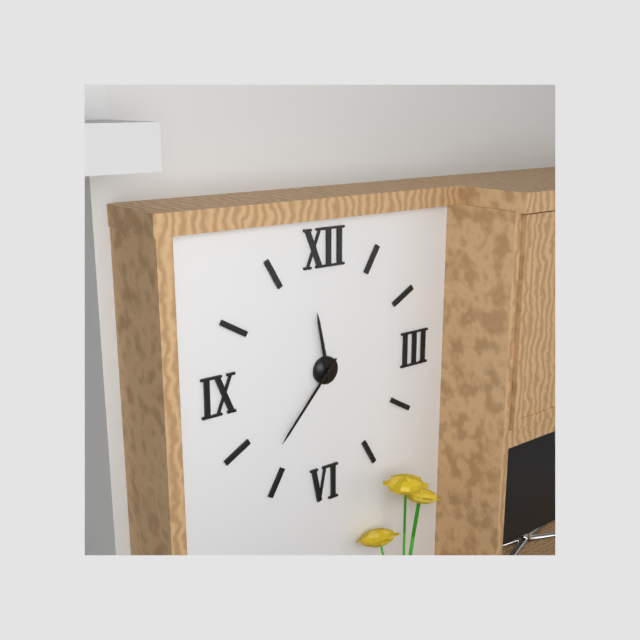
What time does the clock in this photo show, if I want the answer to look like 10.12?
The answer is 11.37
